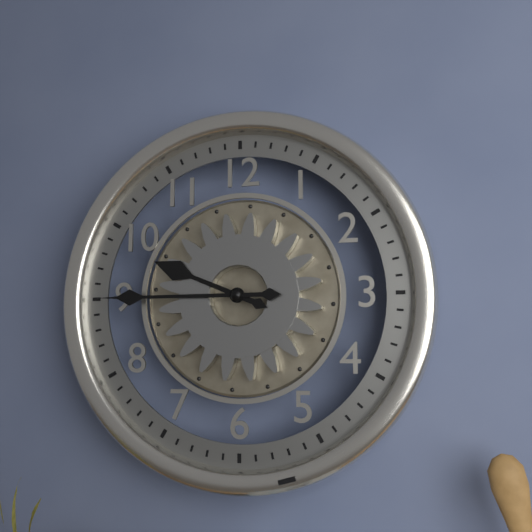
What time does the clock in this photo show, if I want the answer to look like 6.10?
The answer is 9.45
